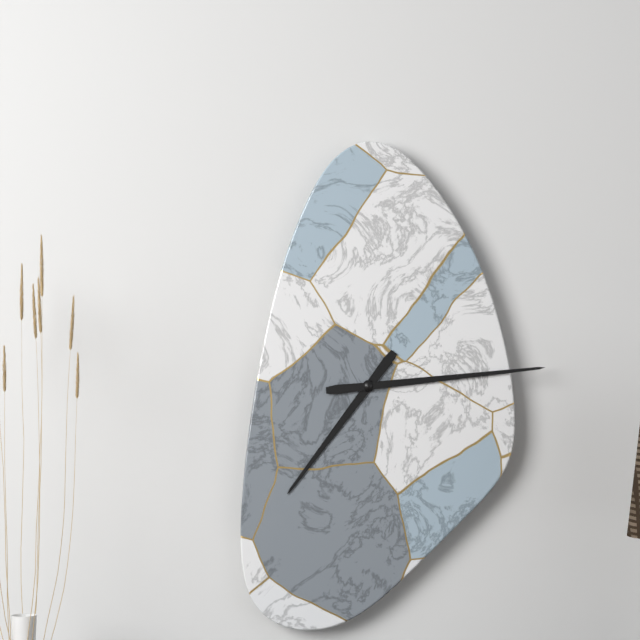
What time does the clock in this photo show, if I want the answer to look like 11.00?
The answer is 7.14
